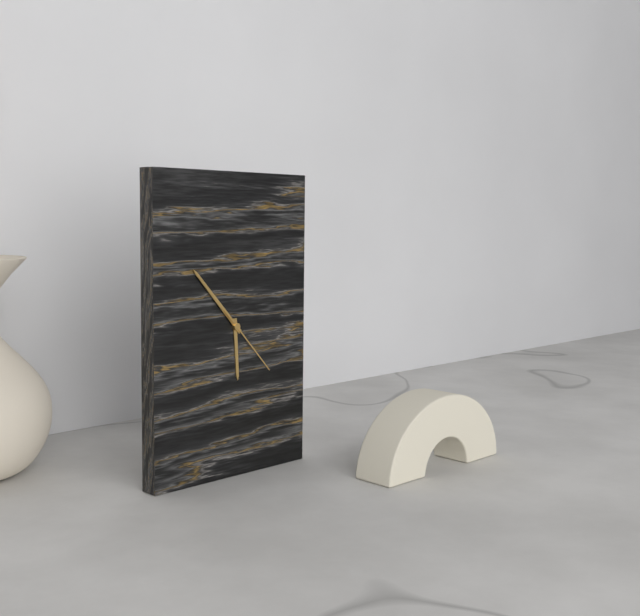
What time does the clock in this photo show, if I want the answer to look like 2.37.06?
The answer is 5.53.23
